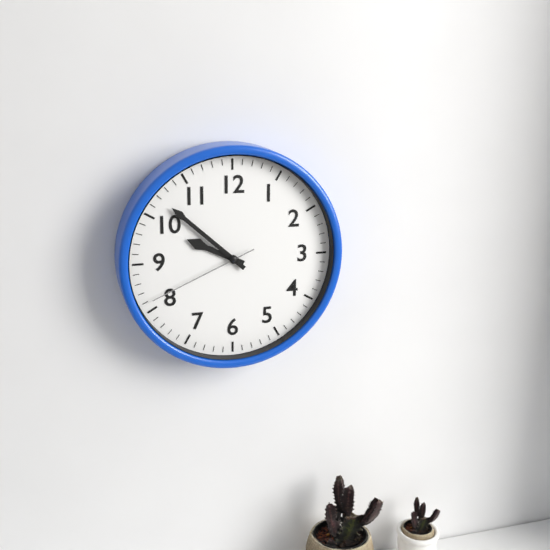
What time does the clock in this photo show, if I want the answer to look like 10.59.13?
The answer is 9.52.41
